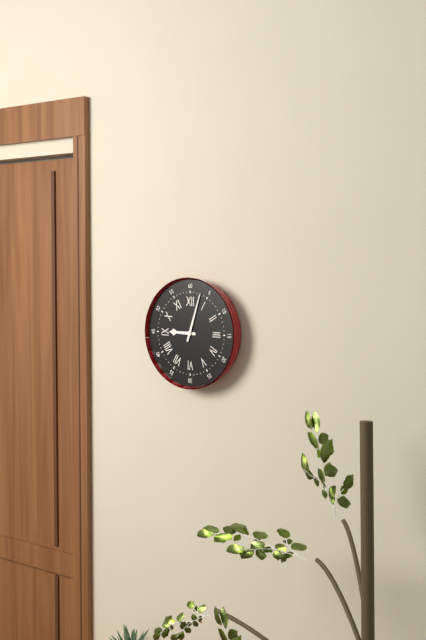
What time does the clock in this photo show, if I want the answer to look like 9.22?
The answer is 9.03
